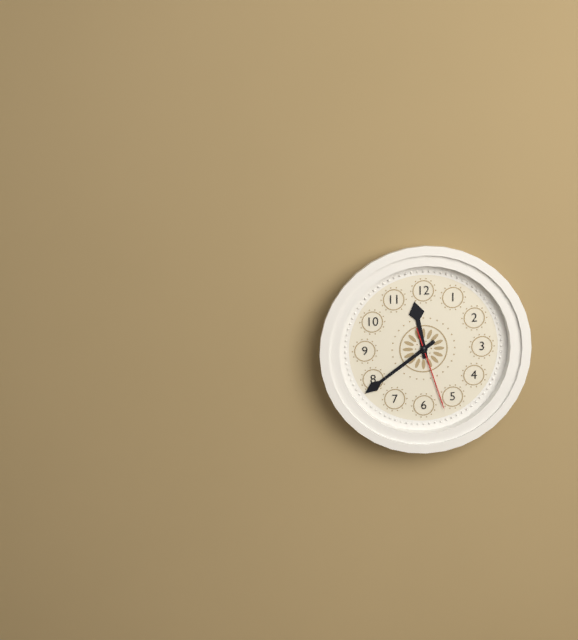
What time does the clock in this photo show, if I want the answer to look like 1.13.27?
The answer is 11.39.27
